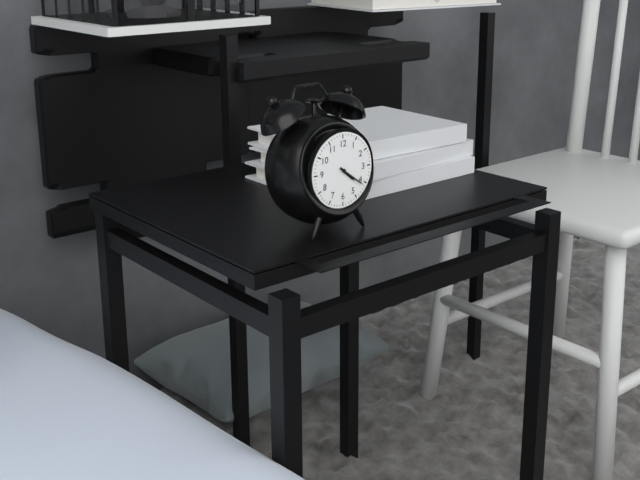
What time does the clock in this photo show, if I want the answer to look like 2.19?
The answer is 4.21
